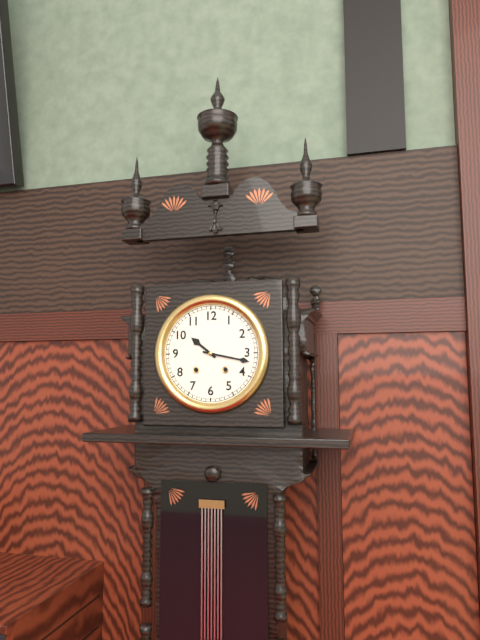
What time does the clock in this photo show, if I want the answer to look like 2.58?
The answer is 10.17
